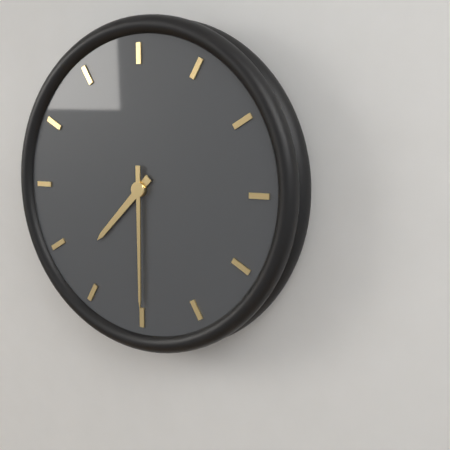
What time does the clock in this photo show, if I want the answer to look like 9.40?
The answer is 7.30
